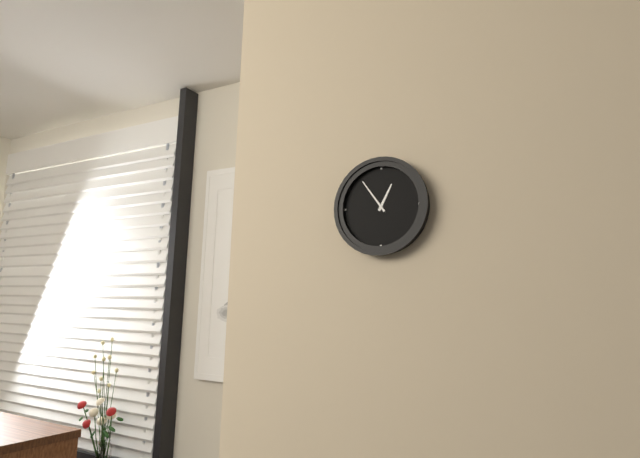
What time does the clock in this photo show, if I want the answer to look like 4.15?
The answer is 12.54
